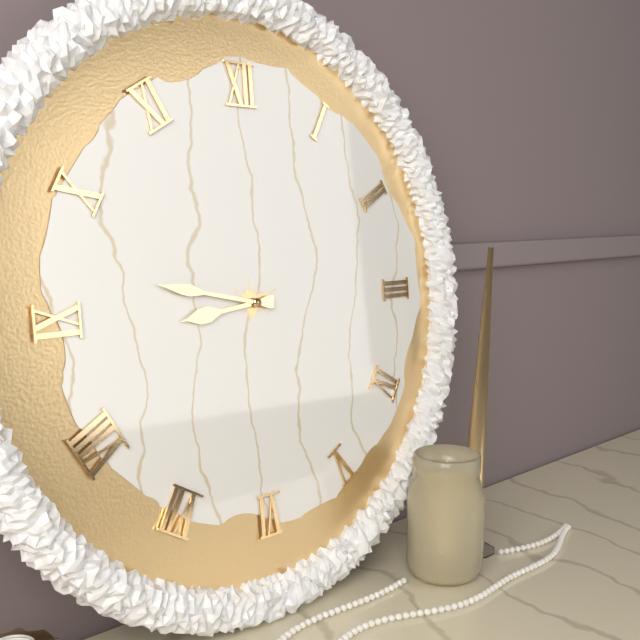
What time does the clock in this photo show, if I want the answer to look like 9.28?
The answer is 8.47
